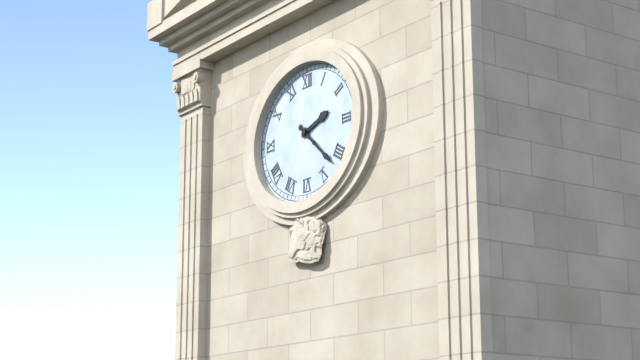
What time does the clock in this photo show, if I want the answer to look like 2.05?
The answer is 2.22
